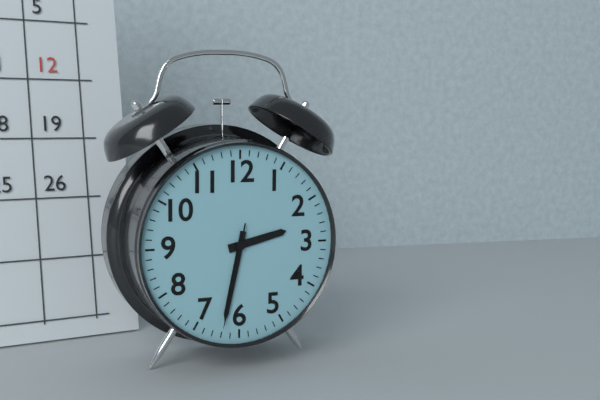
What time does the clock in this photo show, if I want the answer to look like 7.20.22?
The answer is 2.32.32
